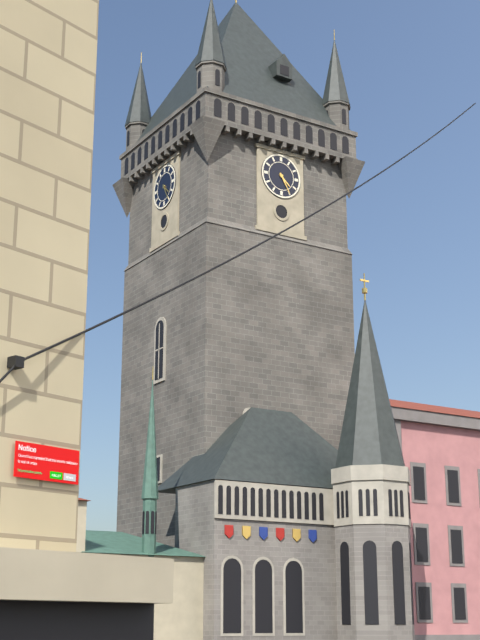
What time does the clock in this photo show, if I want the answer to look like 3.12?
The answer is 4.25
